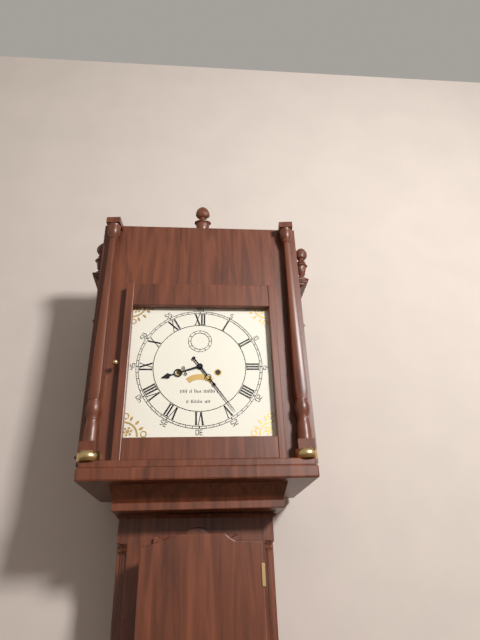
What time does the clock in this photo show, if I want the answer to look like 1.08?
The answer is 8.24
